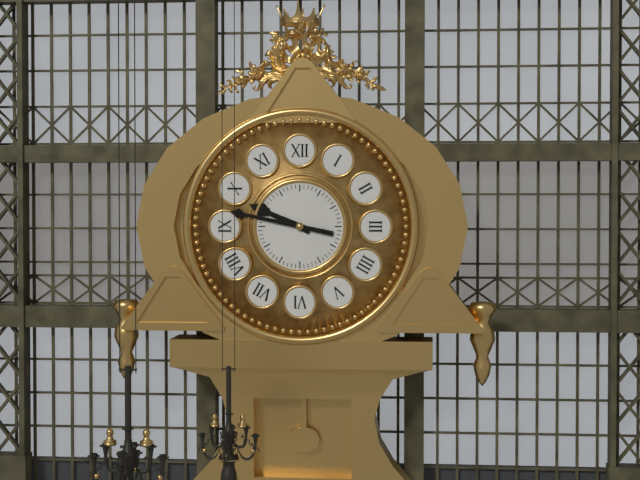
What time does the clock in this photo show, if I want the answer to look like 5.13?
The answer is 9.47
